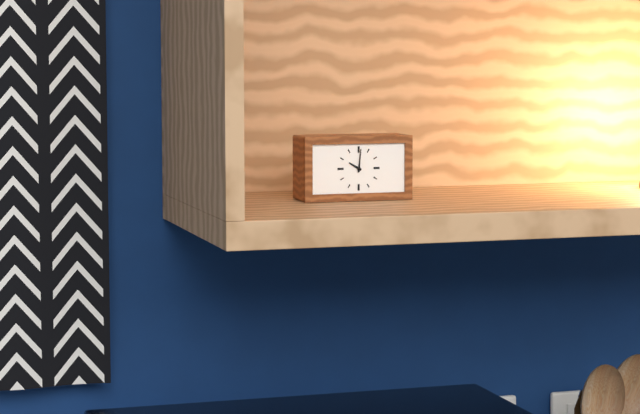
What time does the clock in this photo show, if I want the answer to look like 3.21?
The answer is 10.01
